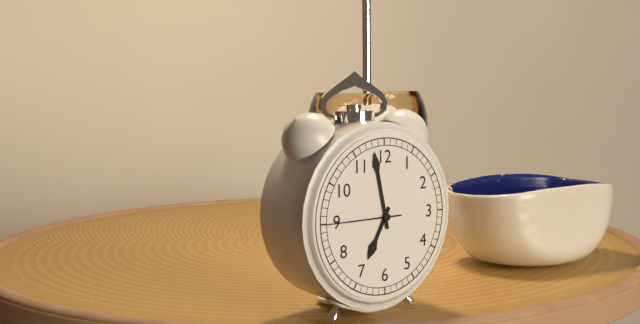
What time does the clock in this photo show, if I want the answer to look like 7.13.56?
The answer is 6.58.45
